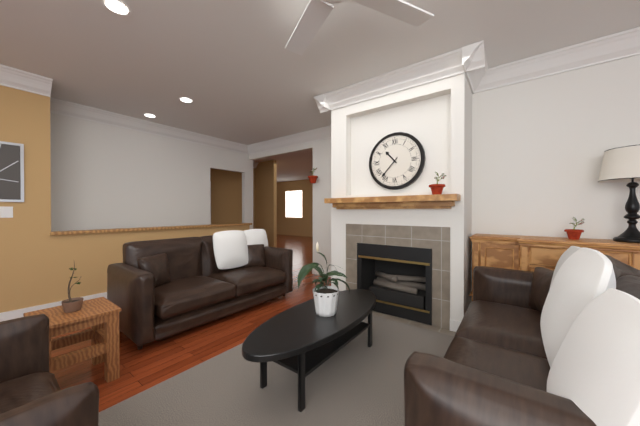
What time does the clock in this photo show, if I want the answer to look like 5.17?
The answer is 10.37
